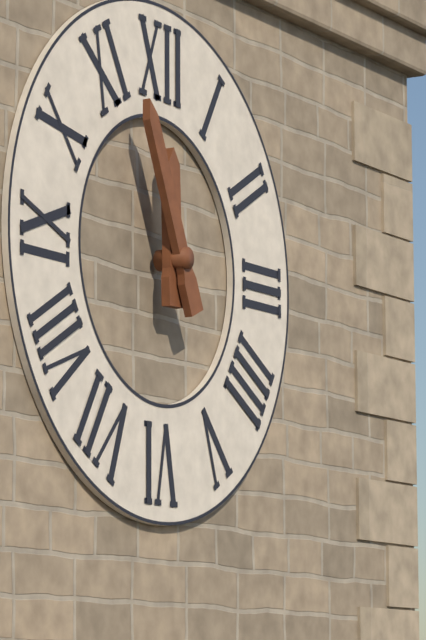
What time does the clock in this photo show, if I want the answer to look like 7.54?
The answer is 11.56
